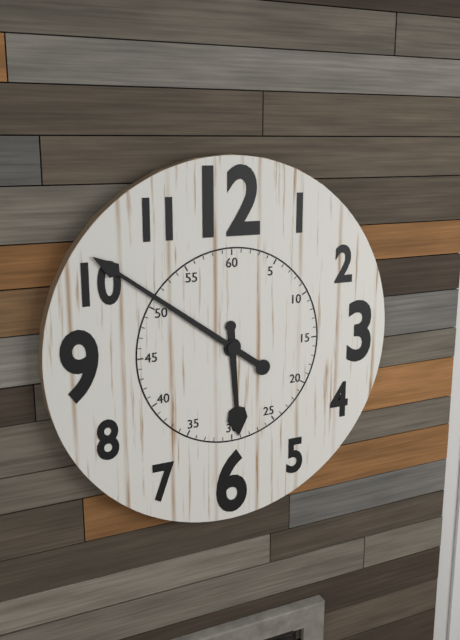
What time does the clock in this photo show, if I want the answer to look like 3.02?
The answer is 5.51
